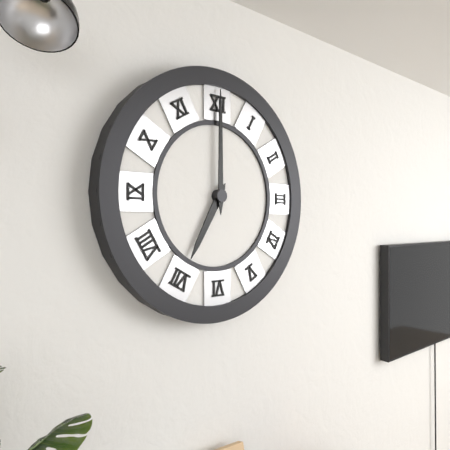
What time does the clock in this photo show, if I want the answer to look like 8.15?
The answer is 7.00
